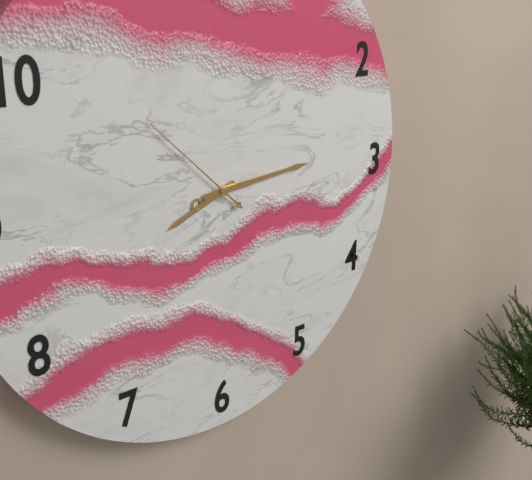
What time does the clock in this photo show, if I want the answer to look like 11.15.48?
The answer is 8.14.52
